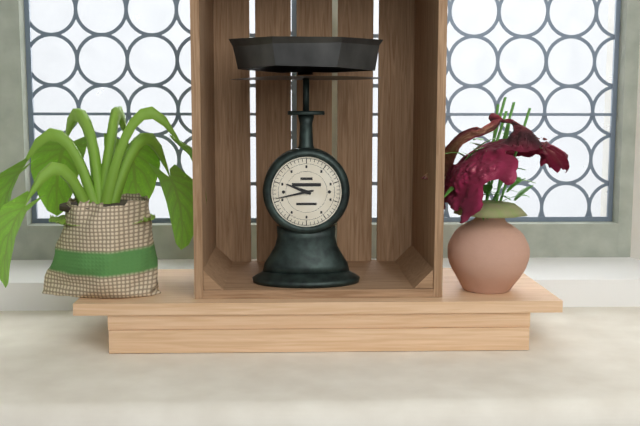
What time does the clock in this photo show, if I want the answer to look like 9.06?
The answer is 9.43
